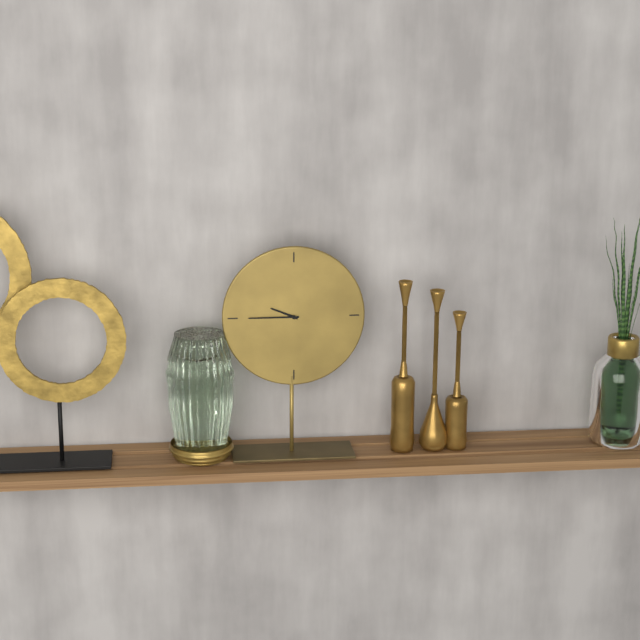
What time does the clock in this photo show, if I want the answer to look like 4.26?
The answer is 9.45
